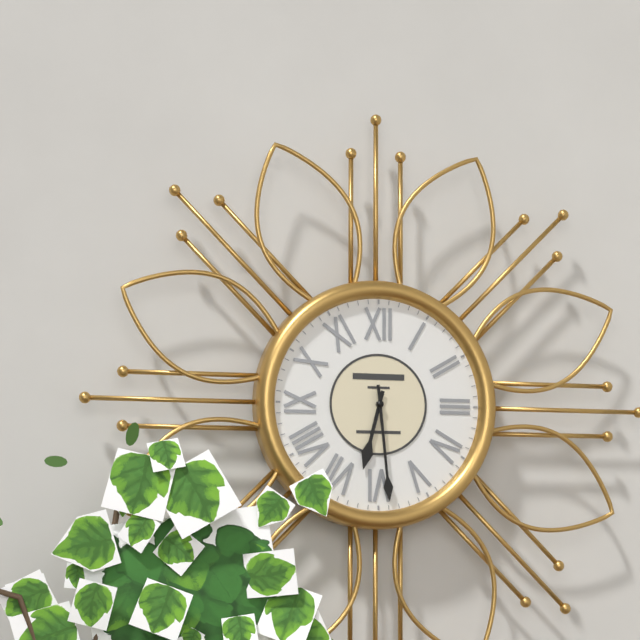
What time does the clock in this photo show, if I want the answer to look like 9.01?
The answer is 6.29
